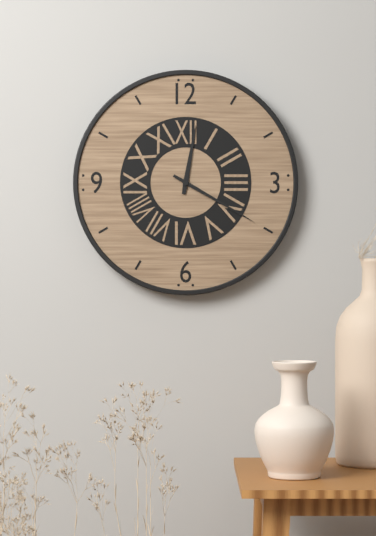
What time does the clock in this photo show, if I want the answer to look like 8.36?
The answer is 12.20
